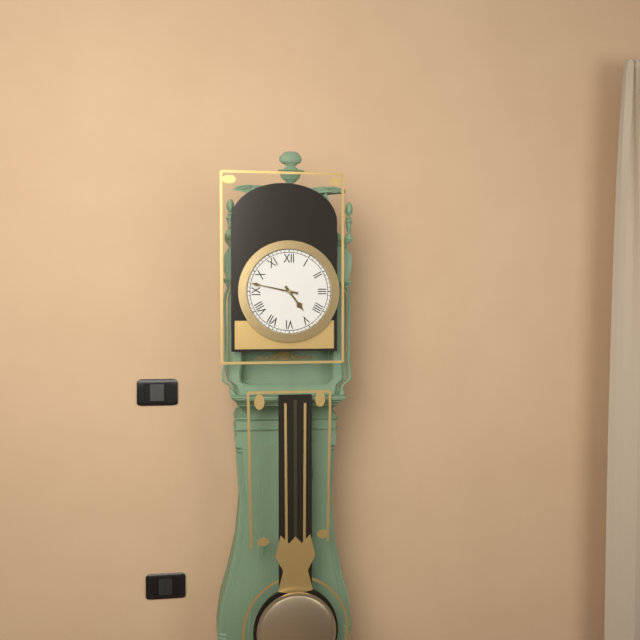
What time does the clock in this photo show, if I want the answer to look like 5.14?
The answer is 4.47
